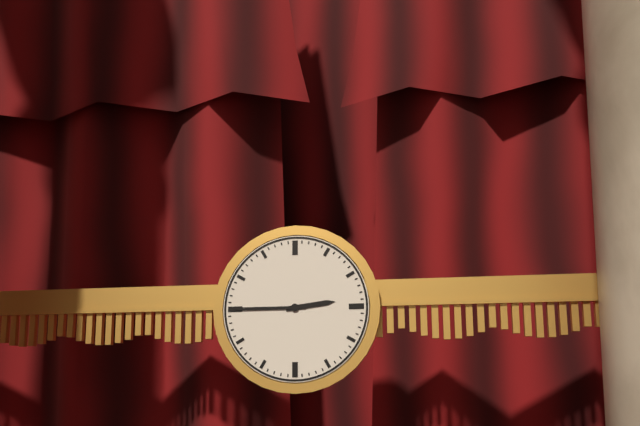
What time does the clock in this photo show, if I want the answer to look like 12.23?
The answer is 2.45
